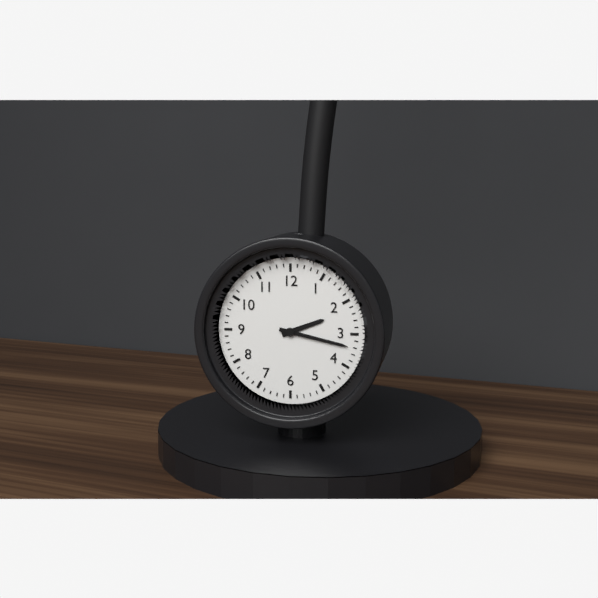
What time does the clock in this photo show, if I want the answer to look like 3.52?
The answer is 2.17
